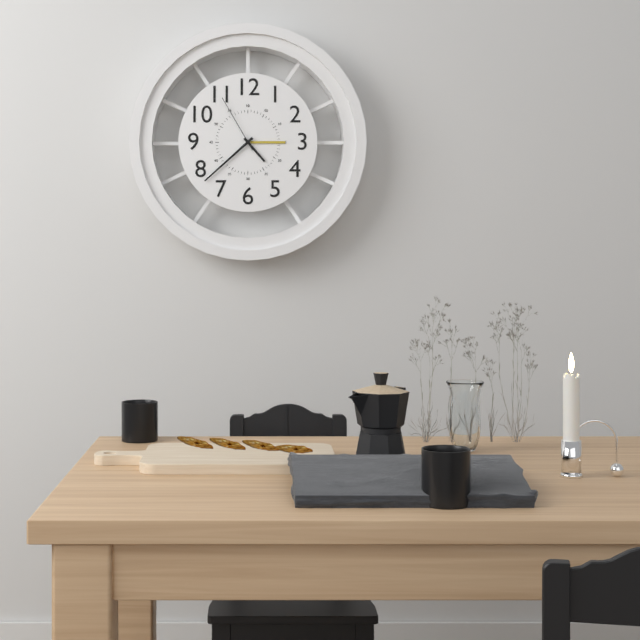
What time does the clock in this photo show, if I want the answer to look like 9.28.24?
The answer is 4.38.55
